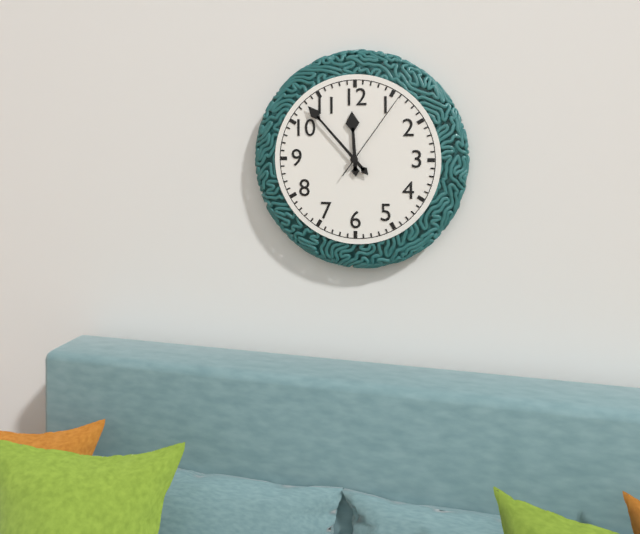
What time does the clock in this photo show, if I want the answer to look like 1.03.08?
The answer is 11.53.06
